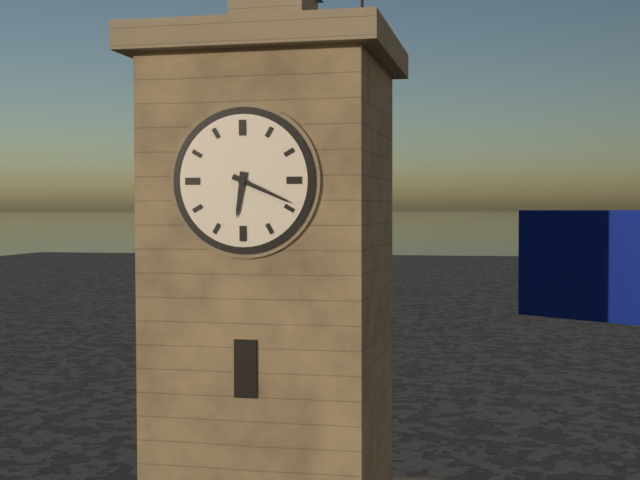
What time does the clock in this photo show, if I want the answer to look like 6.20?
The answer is 6.19
